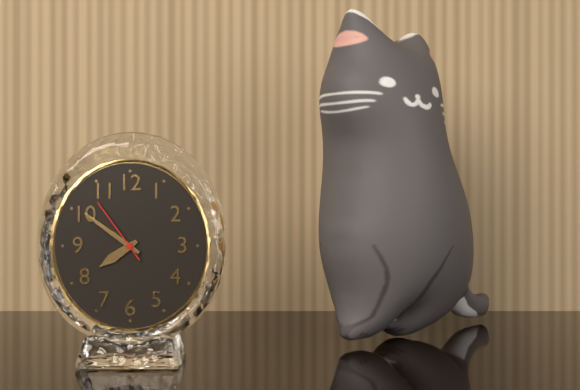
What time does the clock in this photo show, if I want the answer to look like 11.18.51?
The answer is 7.51.54
